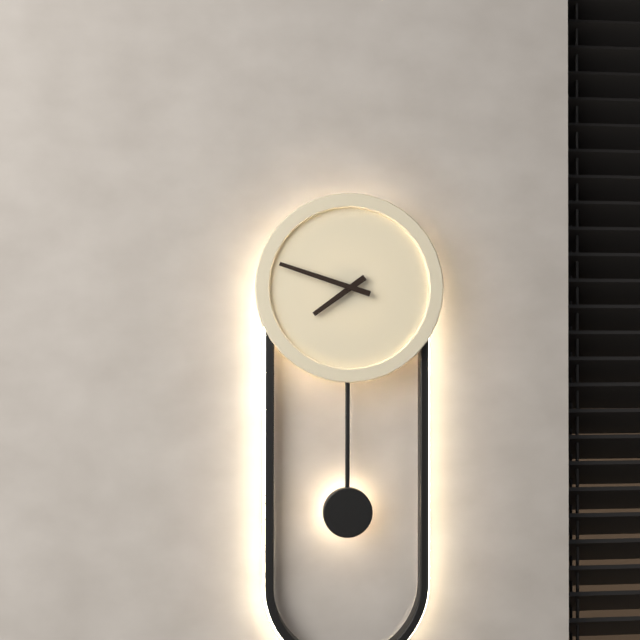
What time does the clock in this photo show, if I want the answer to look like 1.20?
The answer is 7.48
